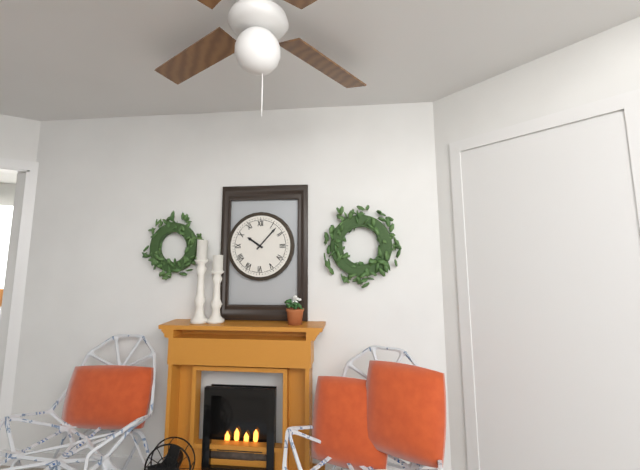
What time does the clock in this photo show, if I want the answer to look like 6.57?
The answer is 10.07
